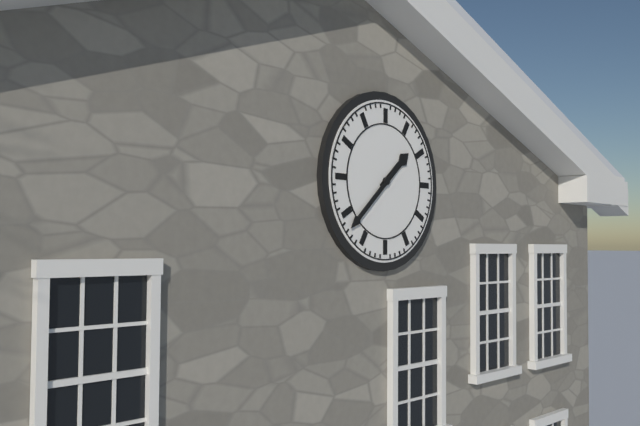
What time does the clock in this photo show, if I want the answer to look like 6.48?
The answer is 1.38
